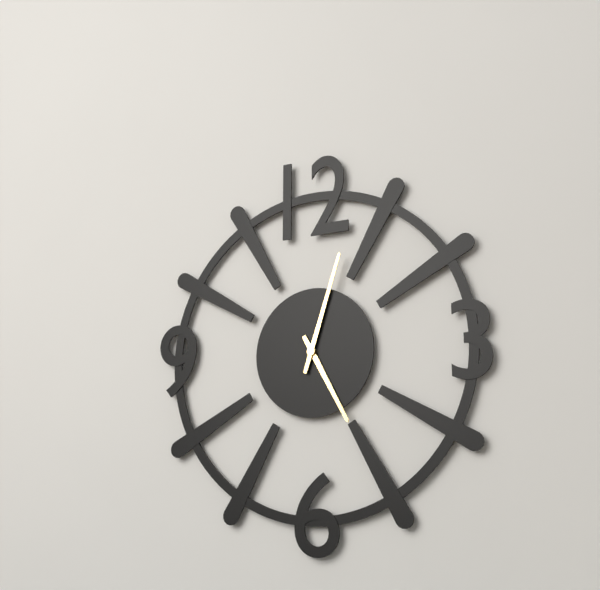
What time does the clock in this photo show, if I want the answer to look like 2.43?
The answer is 5.03
